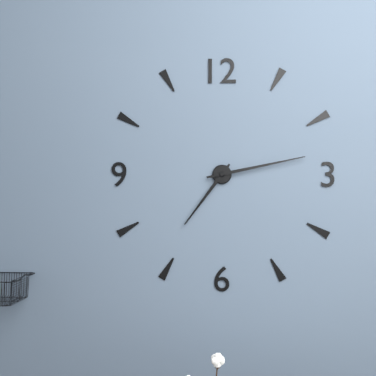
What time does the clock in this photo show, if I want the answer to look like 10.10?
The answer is 7.13
